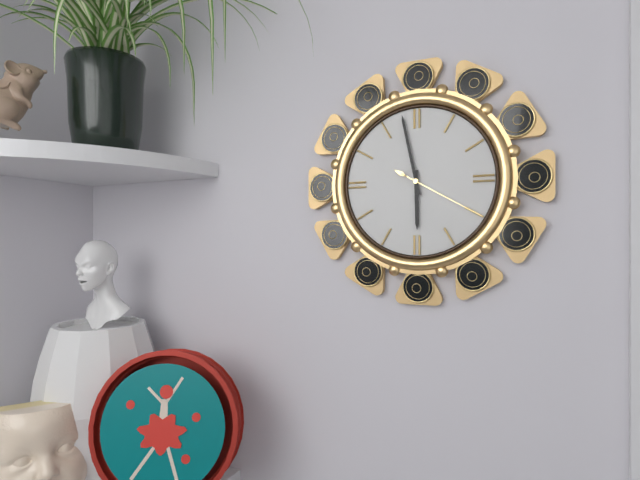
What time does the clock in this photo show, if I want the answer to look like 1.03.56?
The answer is 5.58.20
